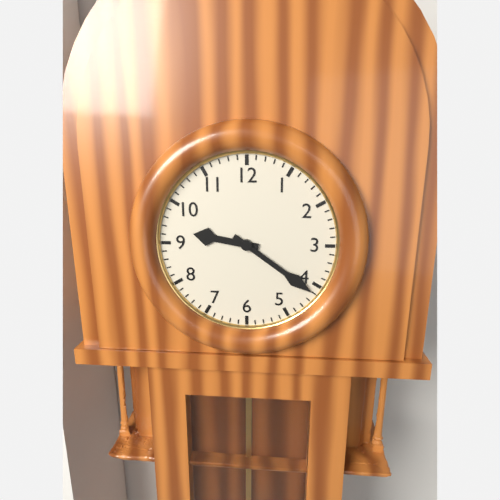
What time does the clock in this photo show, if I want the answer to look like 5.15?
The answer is 9.21
